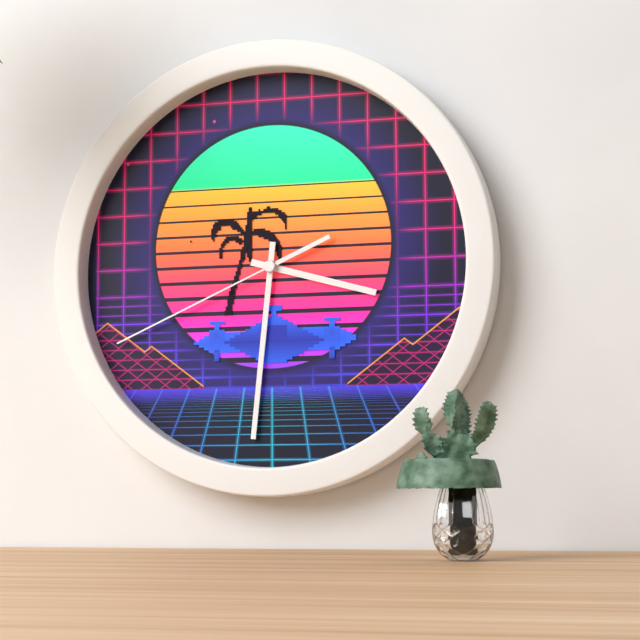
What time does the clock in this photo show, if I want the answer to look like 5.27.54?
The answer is 3.31.41
